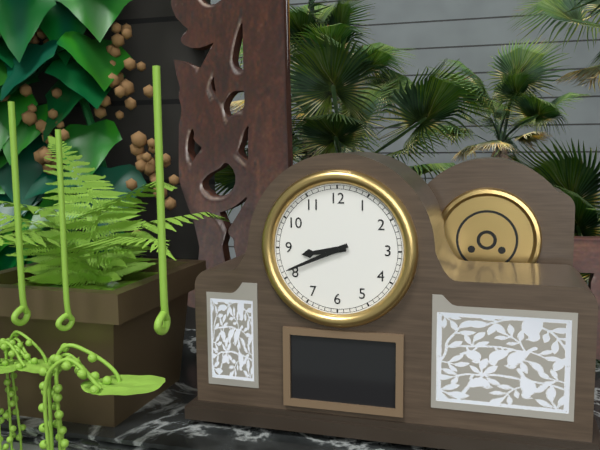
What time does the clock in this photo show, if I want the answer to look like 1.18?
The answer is 8.41
